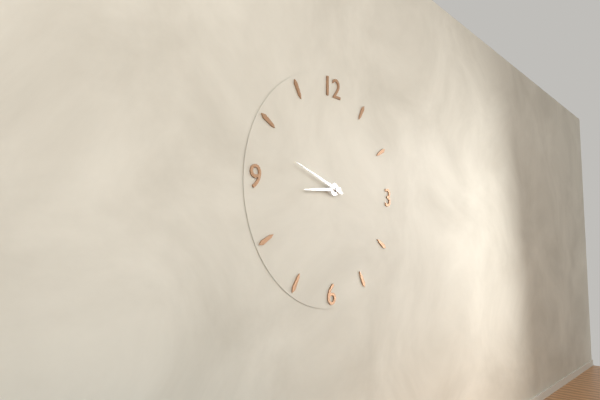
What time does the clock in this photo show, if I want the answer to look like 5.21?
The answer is 8.48
